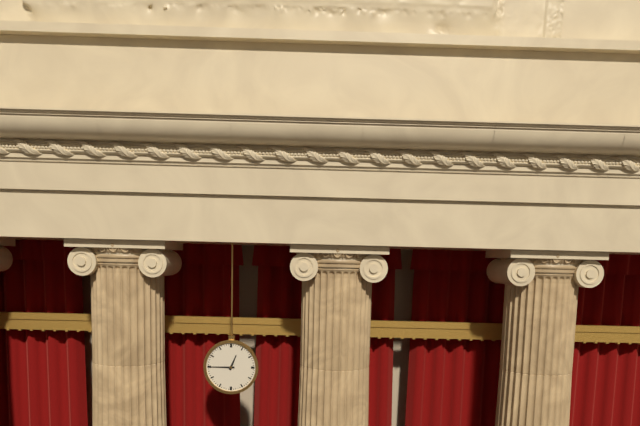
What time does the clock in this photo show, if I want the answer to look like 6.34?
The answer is 12.45
